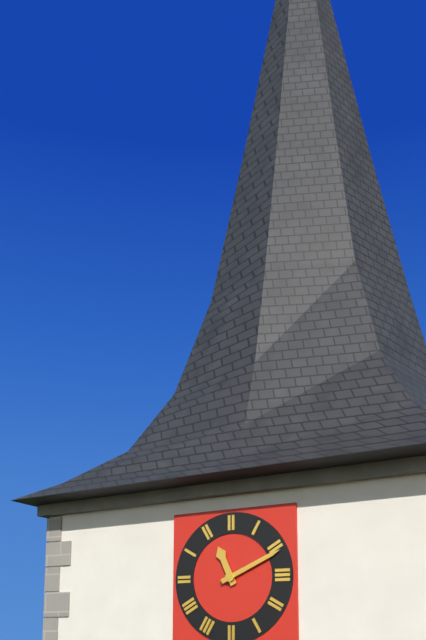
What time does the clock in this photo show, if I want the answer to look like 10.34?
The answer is 11.11
